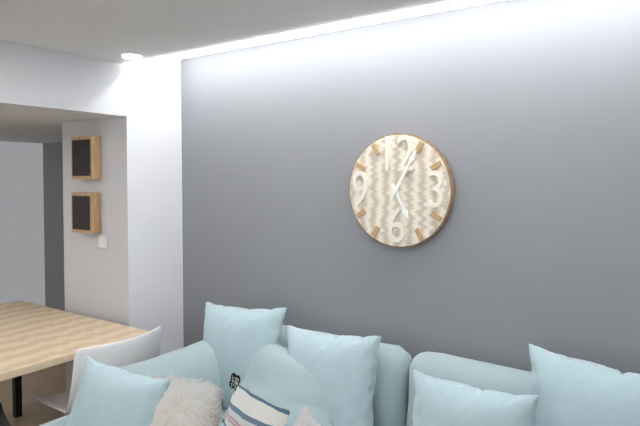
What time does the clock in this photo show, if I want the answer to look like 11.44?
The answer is 5.05
